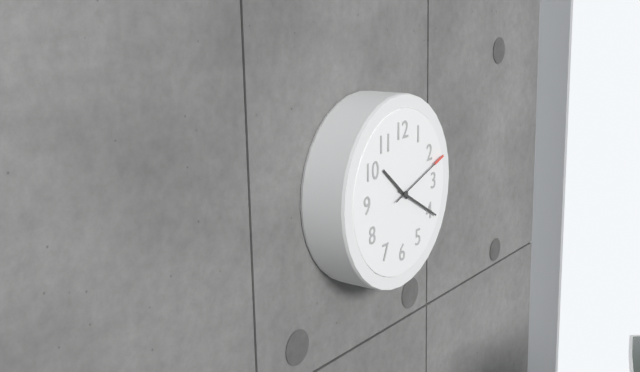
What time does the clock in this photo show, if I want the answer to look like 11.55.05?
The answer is 10.20.12
